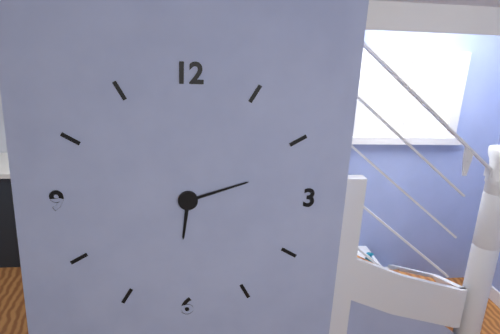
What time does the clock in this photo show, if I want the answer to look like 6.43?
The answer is 6.12
